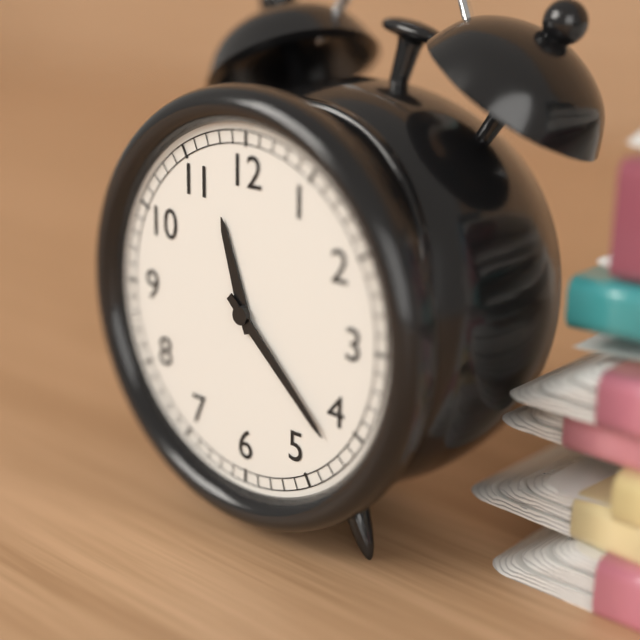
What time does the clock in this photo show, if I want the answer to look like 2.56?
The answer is 11.22
